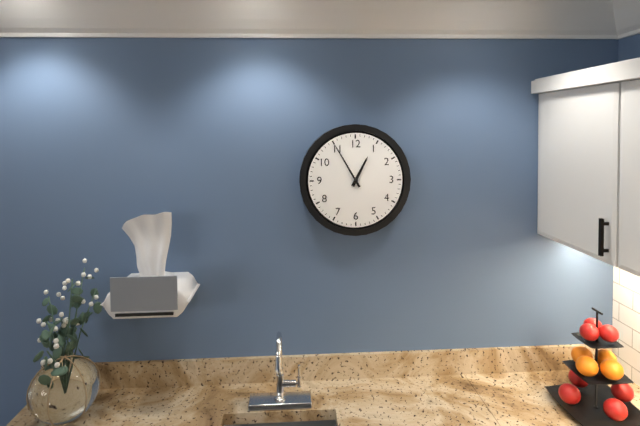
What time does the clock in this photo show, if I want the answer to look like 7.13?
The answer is 12.55
